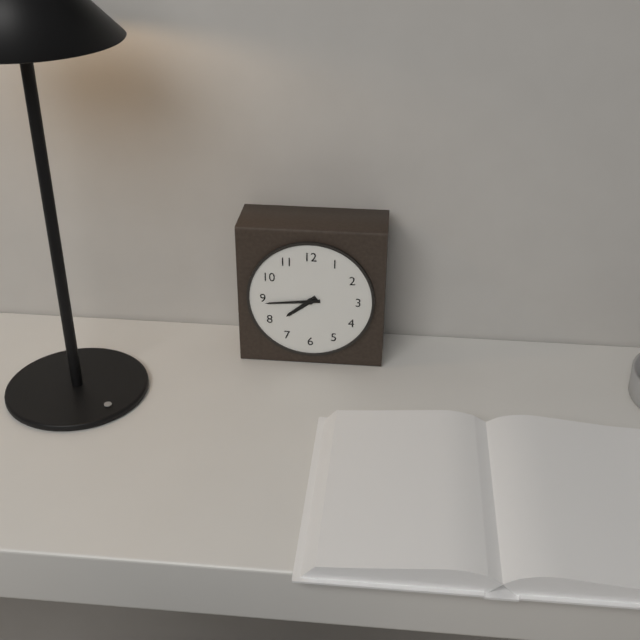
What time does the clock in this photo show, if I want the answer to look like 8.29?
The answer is 7.44
